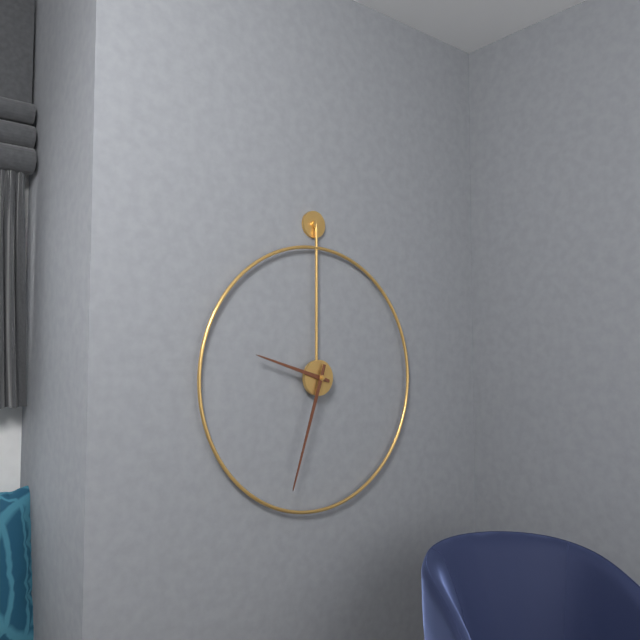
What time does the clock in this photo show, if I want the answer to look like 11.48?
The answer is 9.33
